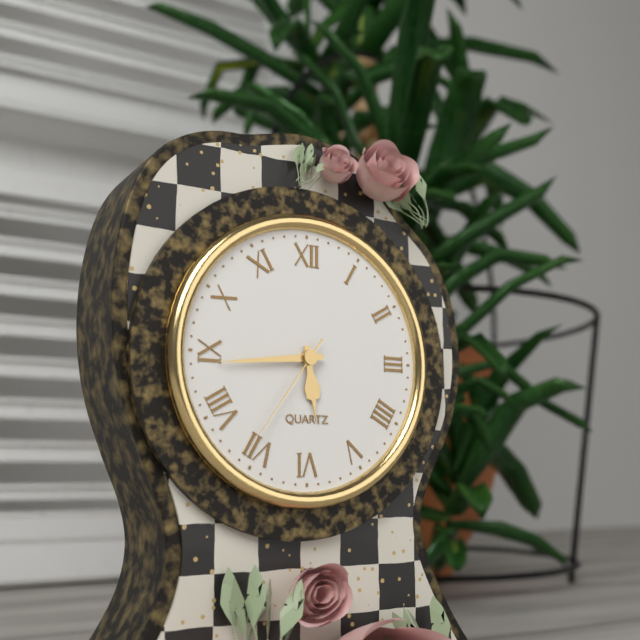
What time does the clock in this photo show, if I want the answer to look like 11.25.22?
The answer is 5.44.36
